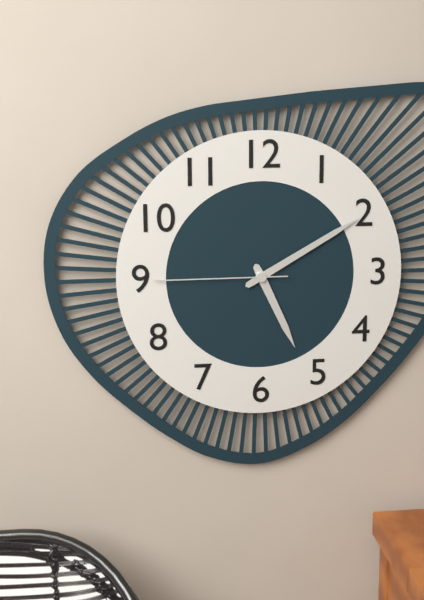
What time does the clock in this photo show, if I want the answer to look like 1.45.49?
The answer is 5.10.45
